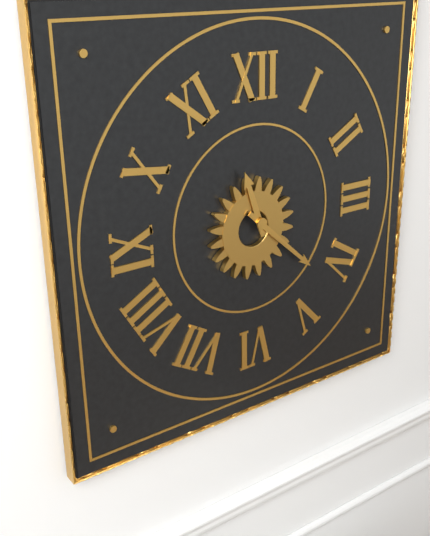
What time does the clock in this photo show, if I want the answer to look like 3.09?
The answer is 11.22
